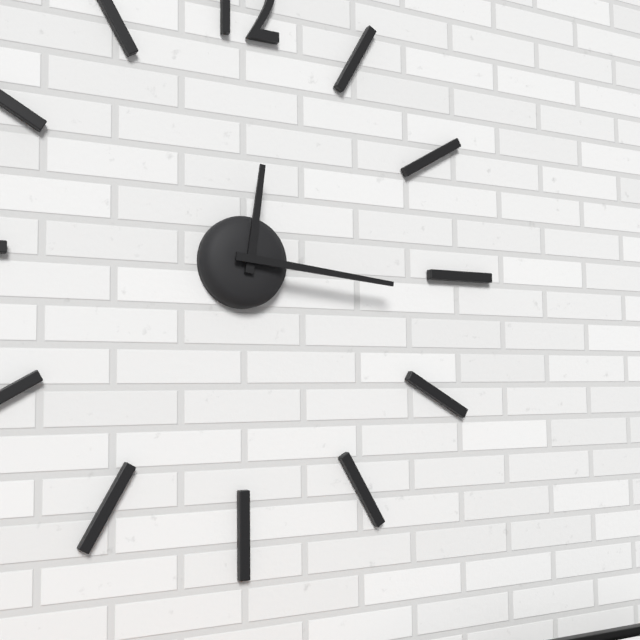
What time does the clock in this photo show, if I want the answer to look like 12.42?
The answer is 12.16
